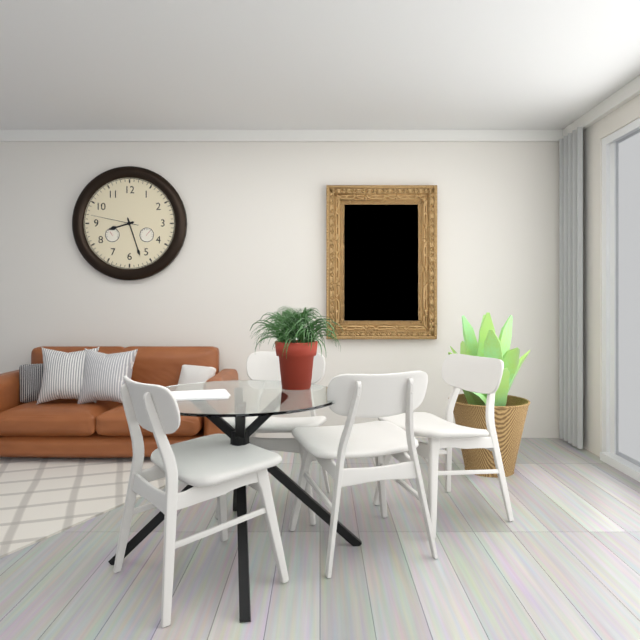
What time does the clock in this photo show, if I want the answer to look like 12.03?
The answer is 8.27
